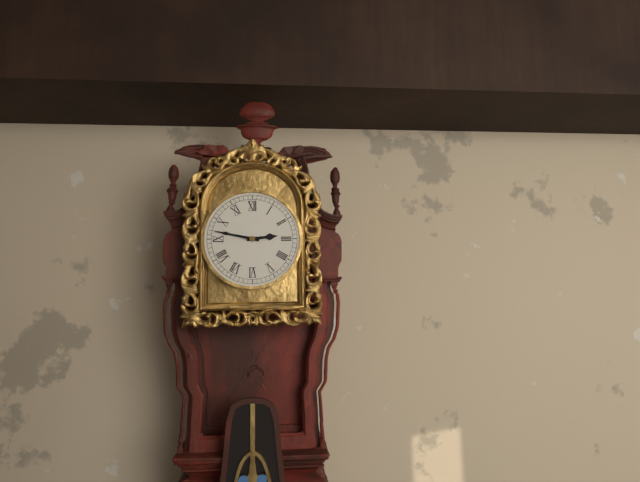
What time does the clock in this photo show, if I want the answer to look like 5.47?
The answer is 2.47
